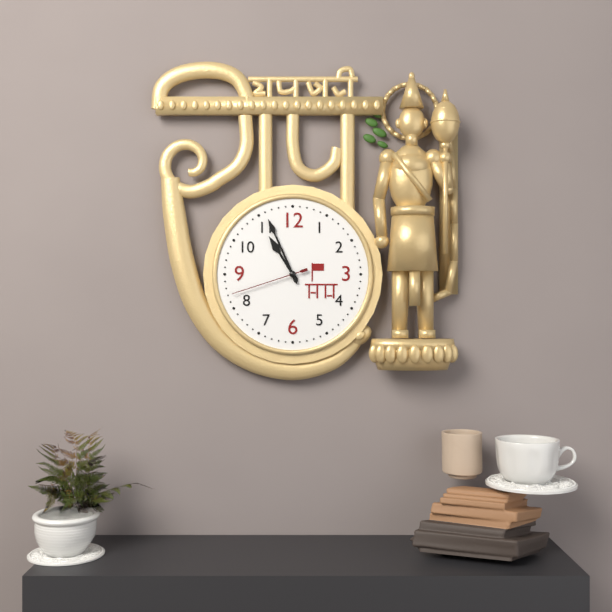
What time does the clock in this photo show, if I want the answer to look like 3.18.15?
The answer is 10.56.42
